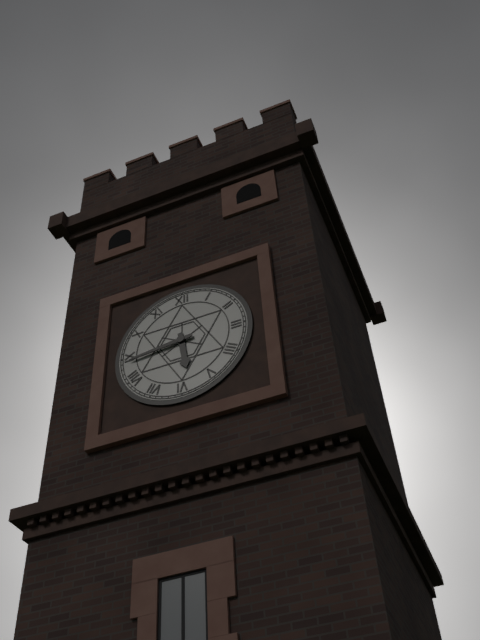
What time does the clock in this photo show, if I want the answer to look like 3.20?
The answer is 5.44
